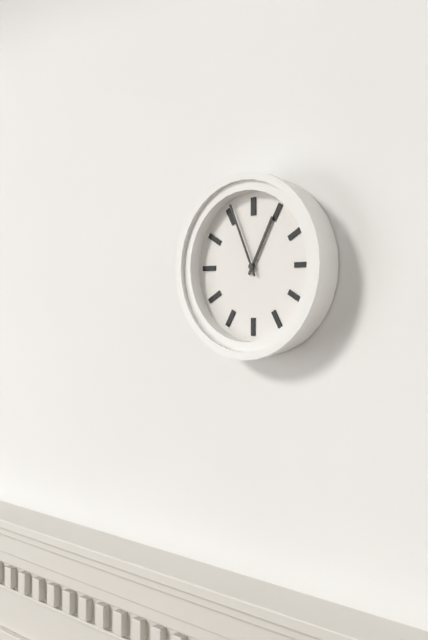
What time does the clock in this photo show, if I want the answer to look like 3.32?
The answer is 12.56
